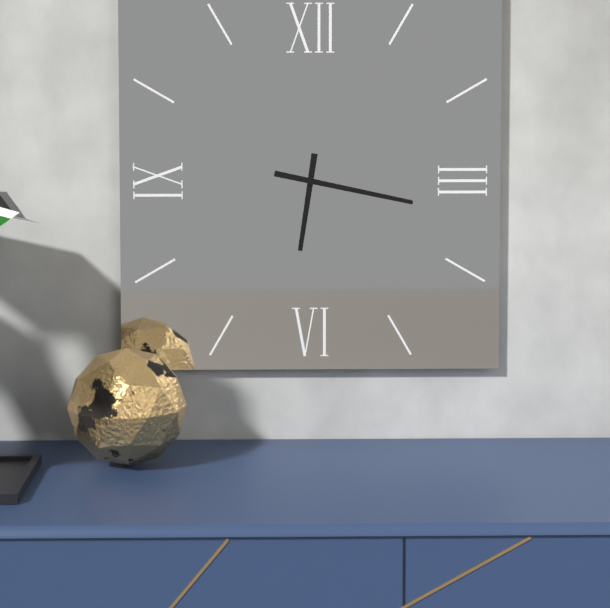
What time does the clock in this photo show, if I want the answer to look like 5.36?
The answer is 6.17
